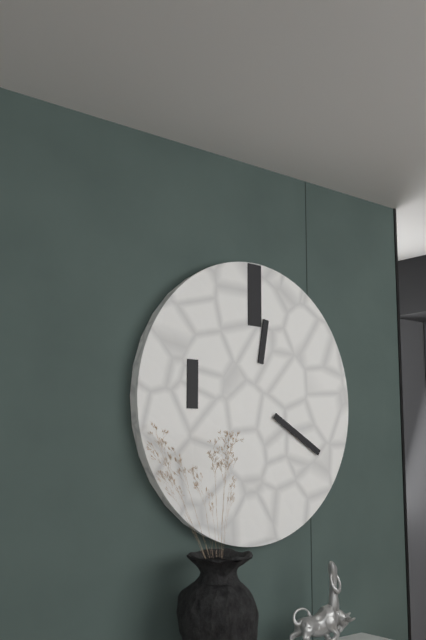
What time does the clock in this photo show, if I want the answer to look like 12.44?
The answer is 12.20
